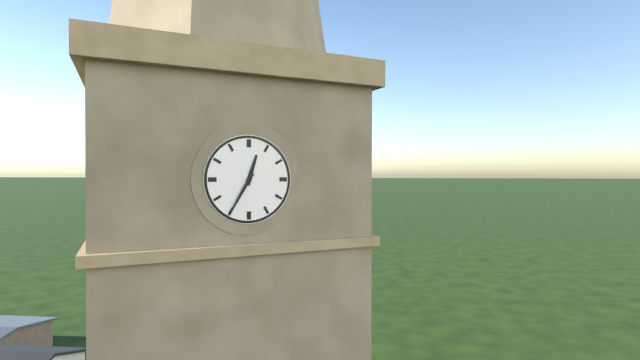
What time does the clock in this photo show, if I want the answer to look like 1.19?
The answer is 12.35
